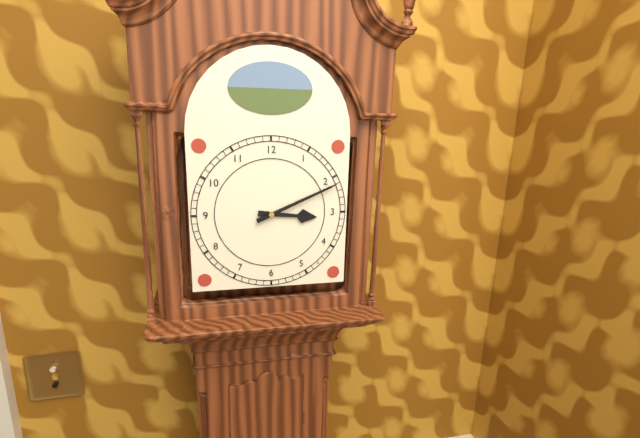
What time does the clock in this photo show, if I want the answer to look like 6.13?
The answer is 3.11
